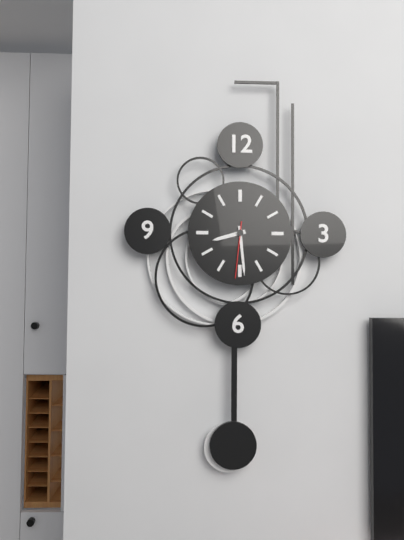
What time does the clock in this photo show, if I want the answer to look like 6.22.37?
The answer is 8.29.31
